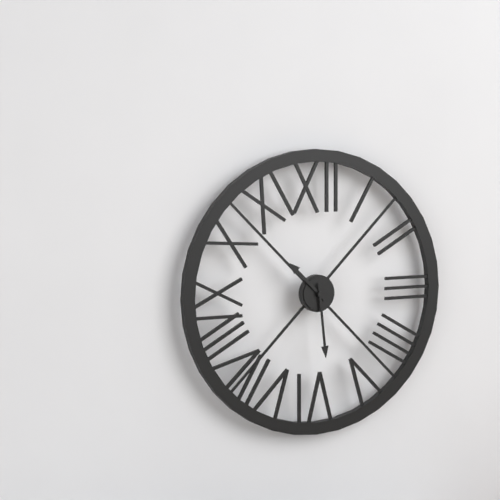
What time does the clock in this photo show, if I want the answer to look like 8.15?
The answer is 10.29
